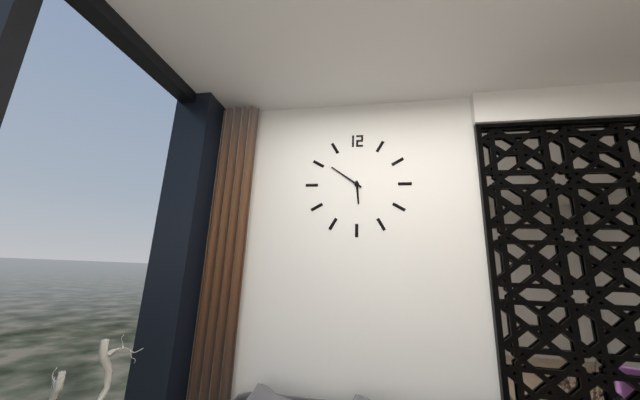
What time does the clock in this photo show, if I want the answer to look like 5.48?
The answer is 5.51
